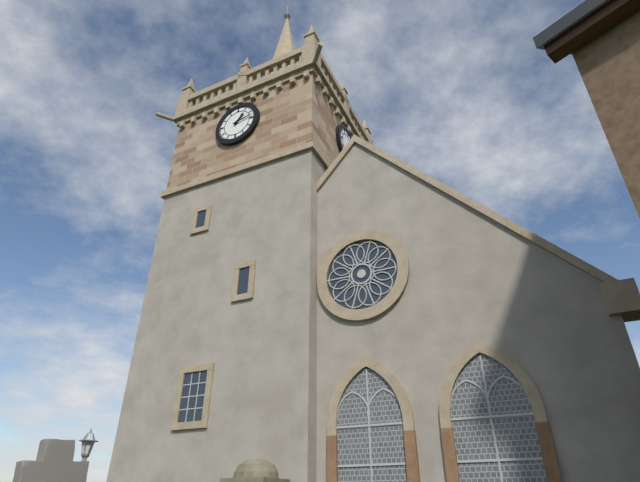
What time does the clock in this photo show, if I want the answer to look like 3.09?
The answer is 1.13
